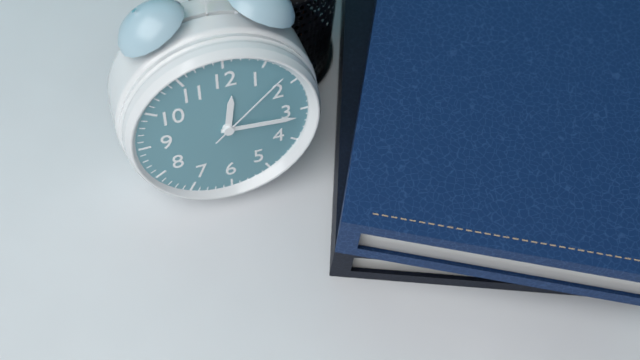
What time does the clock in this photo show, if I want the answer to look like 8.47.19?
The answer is 12.16.08
